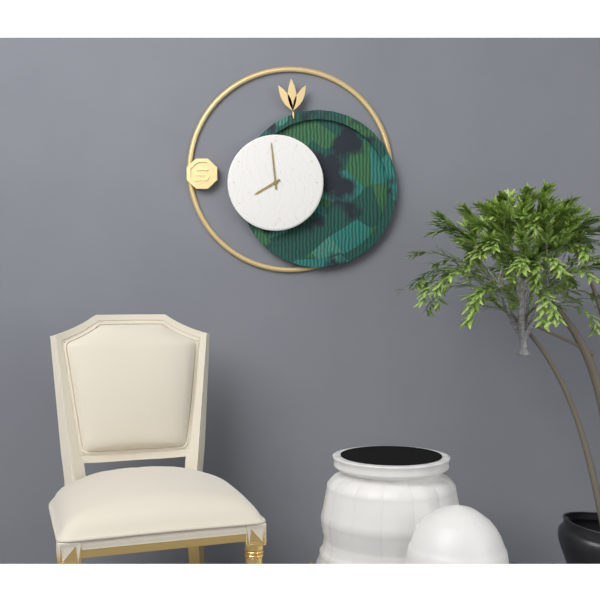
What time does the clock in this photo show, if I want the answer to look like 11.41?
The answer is 7.59
